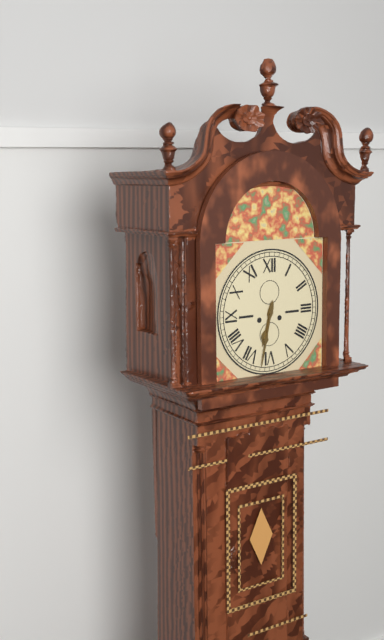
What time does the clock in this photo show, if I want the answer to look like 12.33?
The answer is 6.32
